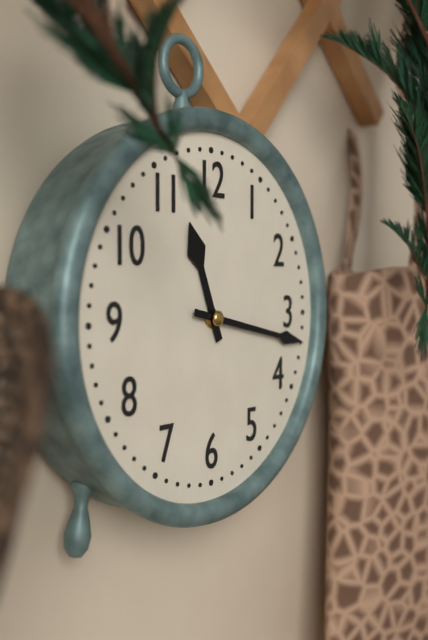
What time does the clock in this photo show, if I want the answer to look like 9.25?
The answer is 11.17
